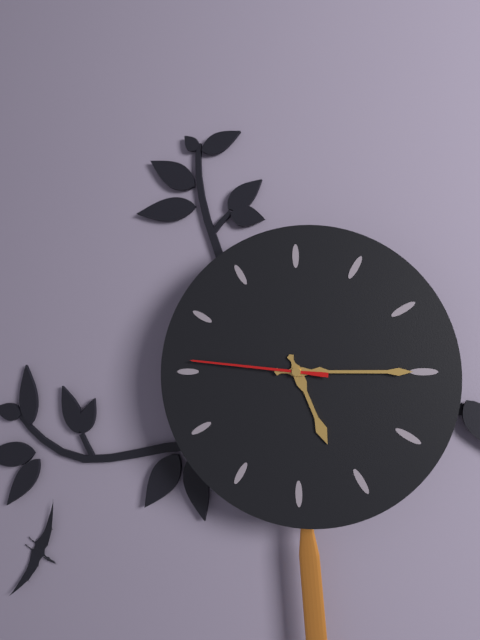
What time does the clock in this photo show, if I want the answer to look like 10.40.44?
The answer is 5.15.46
